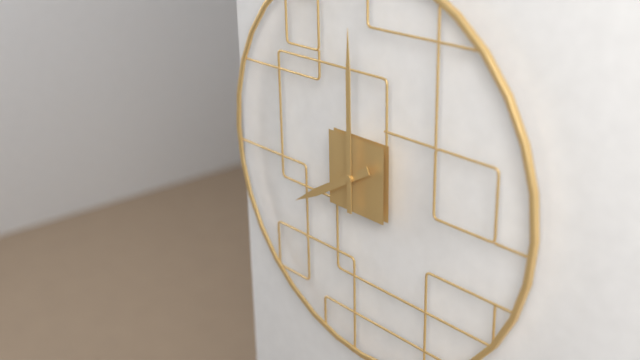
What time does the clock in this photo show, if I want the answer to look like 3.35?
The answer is 8.00
